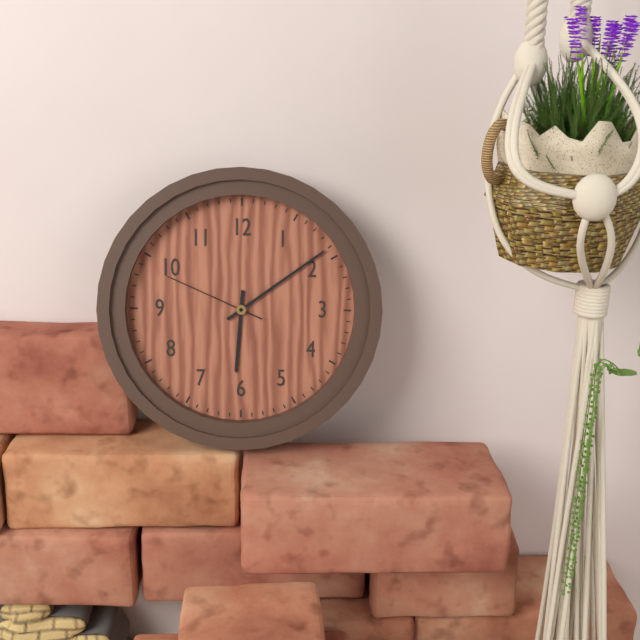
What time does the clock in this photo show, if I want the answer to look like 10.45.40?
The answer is 6.09.49
